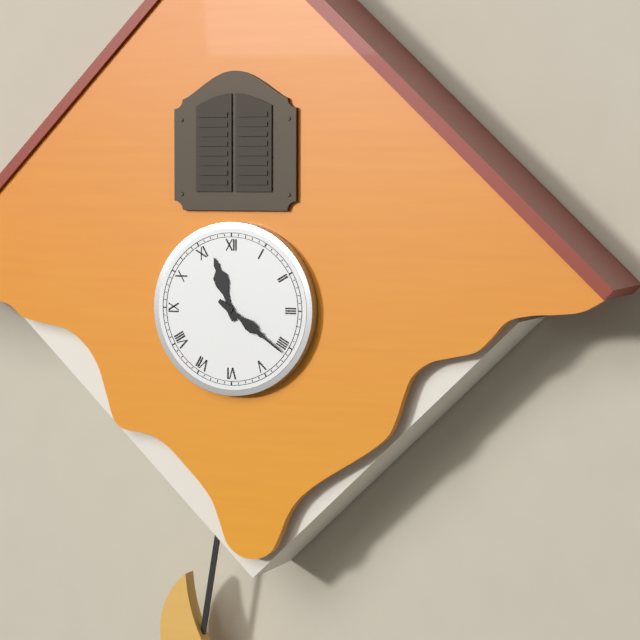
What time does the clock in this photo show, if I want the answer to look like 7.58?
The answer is 11.21
